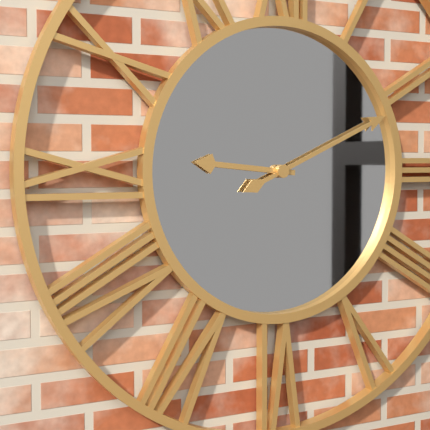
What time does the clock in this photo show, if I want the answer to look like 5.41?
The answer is 9.11
